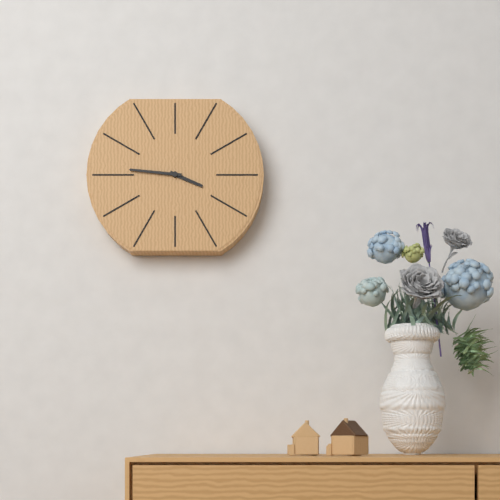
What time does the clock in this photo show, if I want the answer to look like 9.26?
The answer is 3.46
